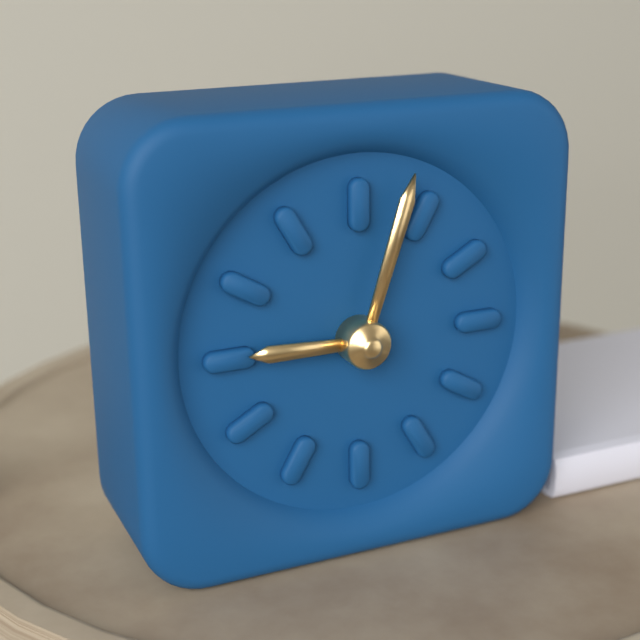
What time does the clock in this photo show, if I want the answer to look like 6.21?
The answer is 9.03
